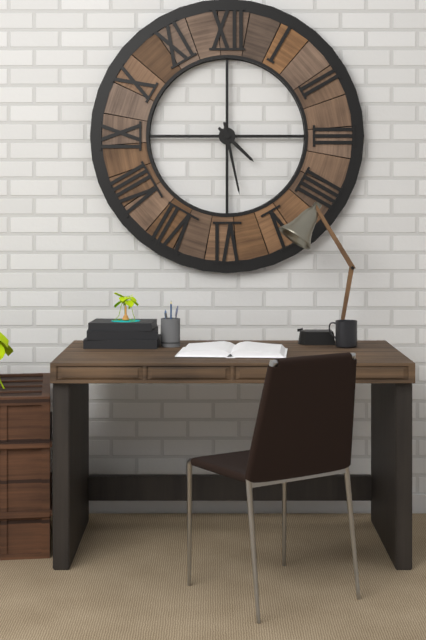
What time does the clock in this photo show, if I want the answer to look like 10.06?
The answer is 4.28
